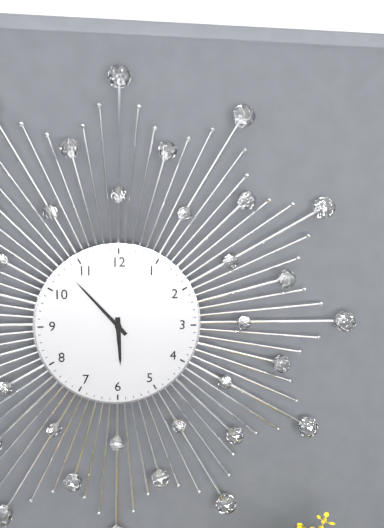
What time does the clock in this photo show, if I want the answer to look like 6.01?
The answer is 5.53
